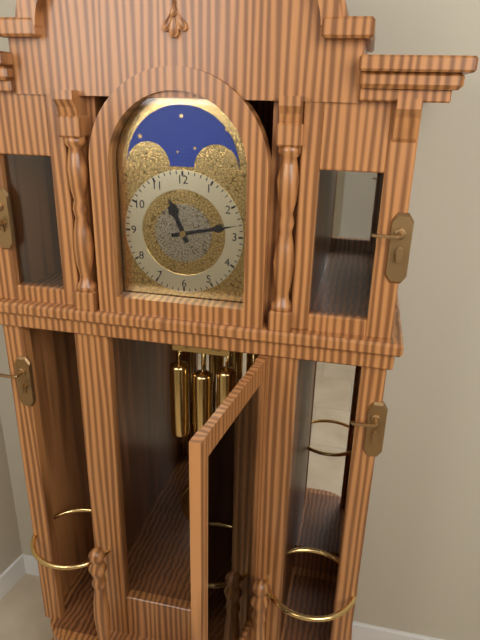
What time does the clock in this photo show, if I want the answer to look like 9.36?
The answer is 11.13
